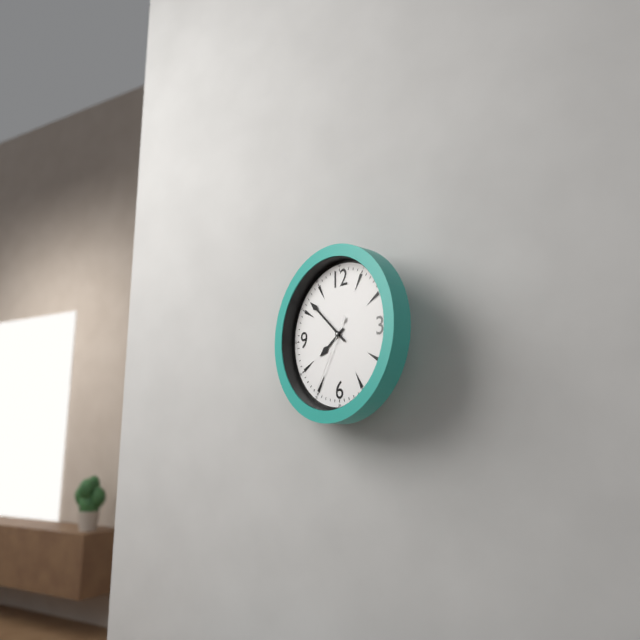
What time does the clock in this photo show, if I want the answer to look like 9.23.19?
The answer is 7.52.35
